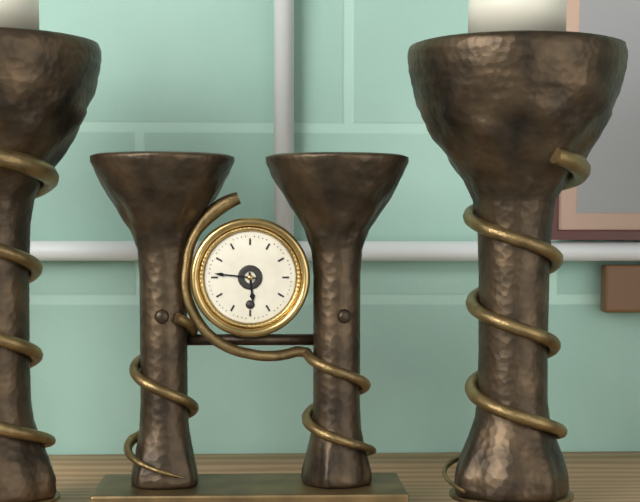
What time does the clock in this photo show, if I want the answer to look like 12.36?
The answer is 5.46
